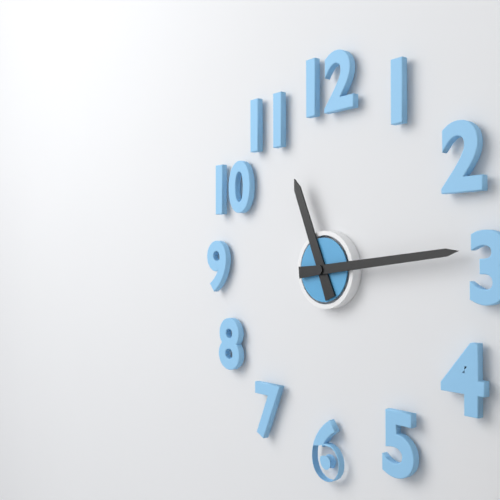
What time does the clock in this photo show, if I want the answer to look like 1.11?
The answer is 11.14
